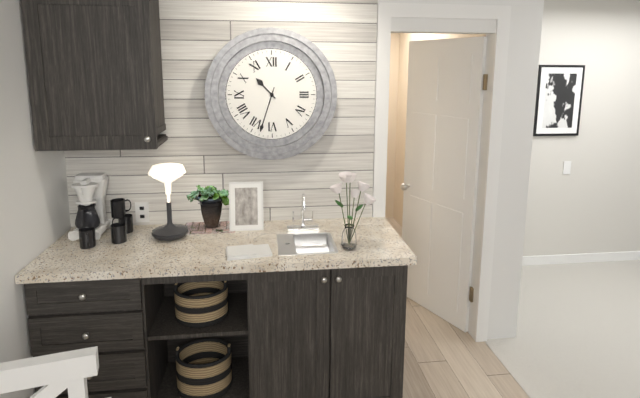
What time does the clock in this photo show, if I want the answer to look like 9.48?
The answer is 10.33
